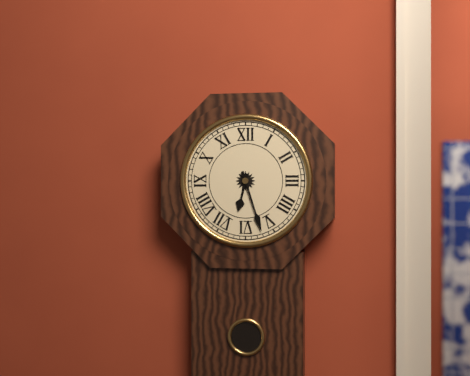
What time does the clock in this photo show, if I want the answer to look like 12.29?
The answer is 6.27
